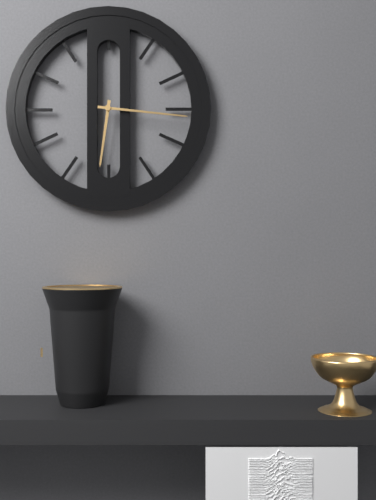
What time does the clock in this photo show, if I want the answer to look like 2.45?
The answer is 6.16
